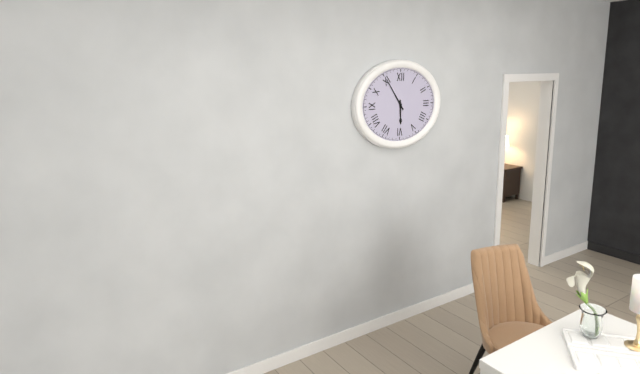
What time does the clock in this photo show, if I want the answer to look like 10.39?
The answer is 5.54
